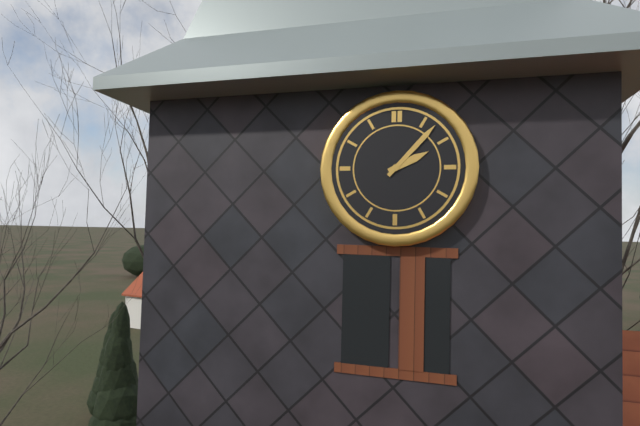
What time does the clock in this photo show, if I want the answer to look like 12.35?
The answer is 2.07
